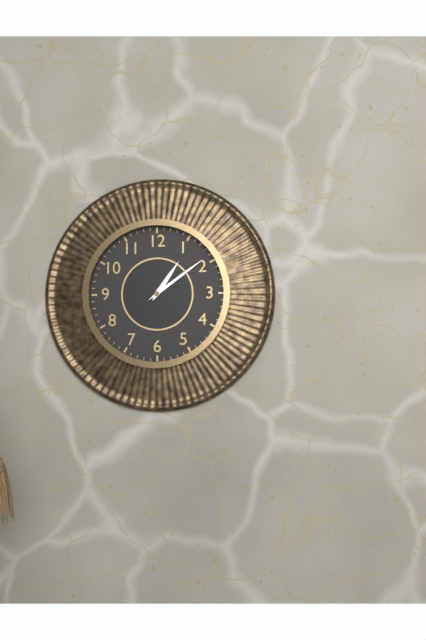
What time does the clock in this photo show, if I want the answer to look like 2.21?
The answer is 1.09
